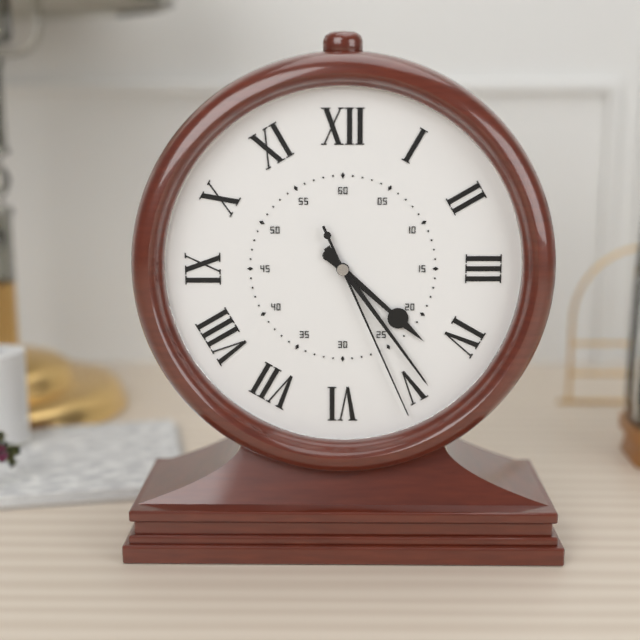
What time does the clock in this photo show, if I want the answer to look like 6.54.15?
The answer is 4.24.26
